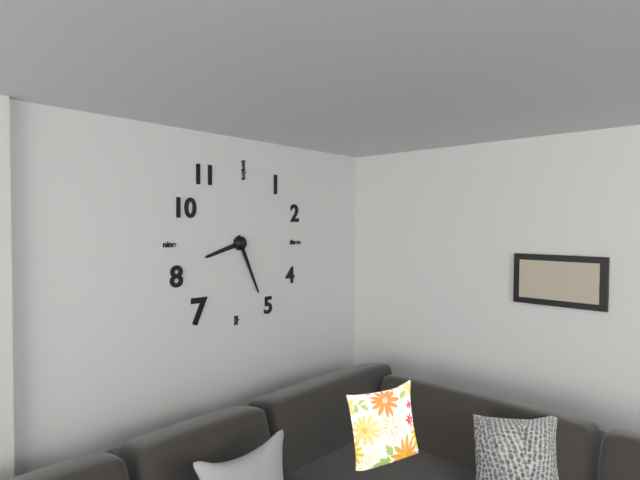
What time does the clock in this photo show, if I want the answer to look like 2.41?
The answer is 8.26
